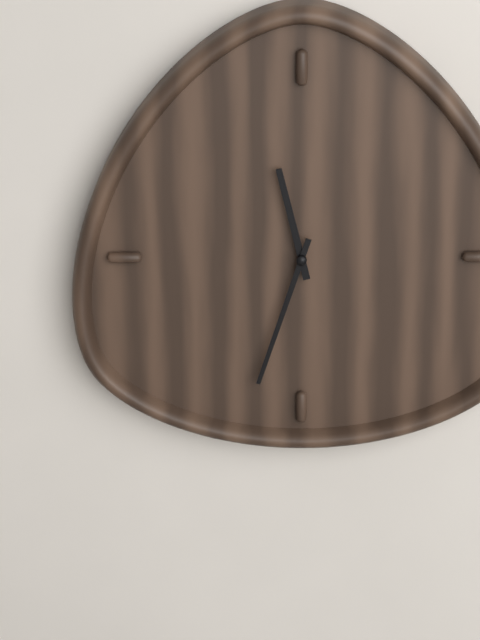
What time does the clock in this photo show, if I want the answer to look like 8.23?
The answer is 11.33
